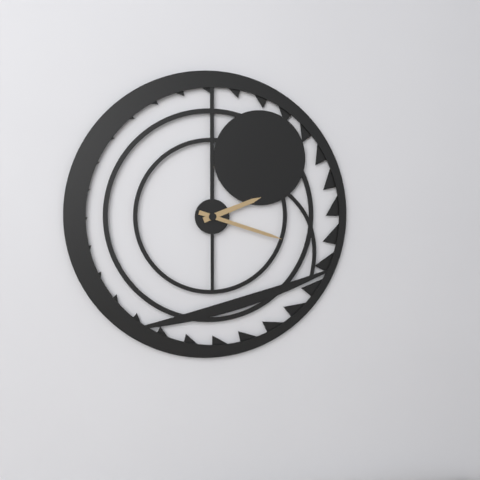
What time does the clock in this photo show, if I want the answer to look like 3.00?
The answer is 2.18
